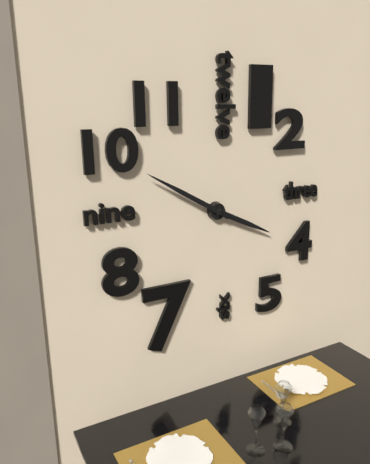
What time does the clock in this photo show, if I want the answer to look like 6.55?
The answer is 3.50
